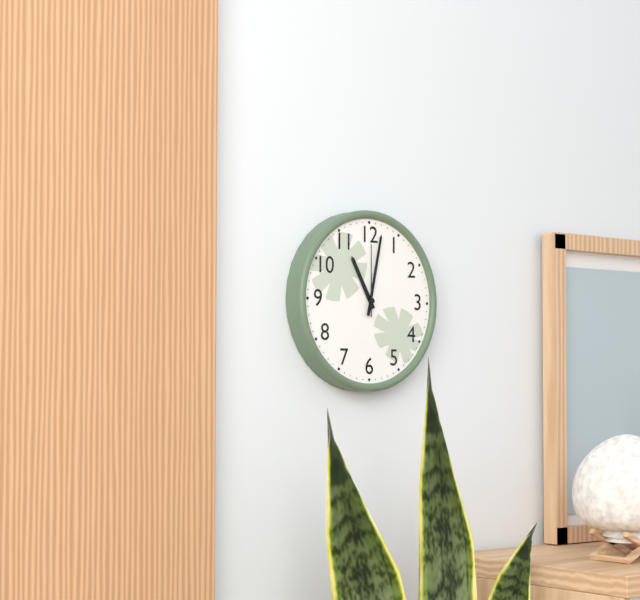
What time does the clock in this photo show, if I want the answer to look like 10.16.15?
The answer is 11.02.00
